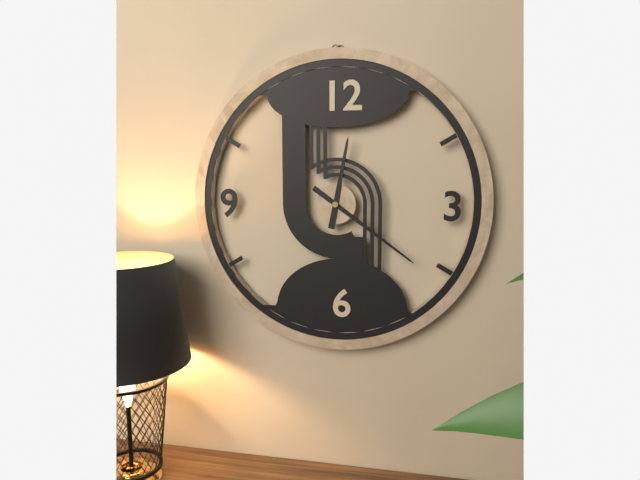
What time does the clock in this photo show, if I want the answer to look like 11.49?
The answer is 12.21
